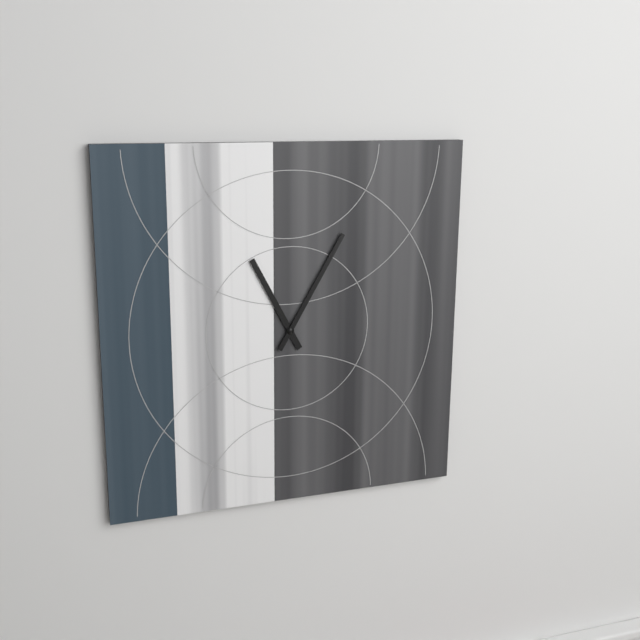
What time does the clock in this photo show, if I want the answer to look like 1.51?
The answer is 11.05
